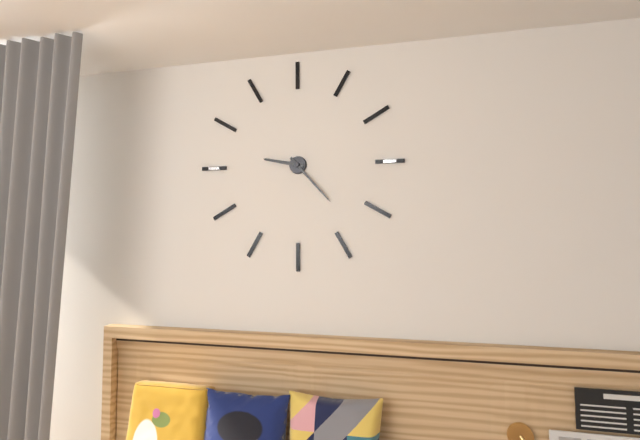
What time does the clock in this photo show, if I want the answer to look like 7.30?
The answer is 9.23
